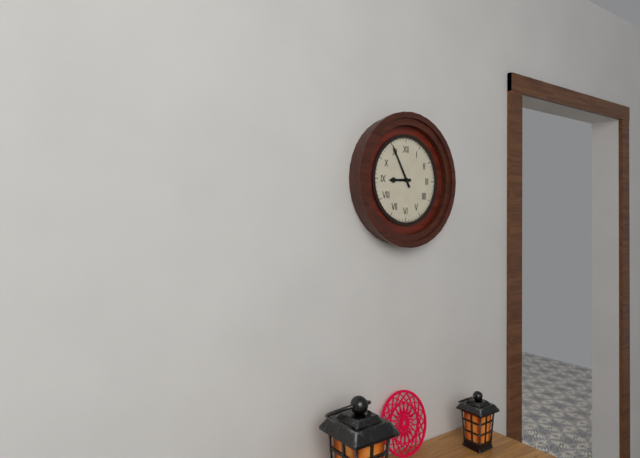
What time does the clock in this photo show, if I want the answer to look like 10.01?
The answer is 8.55
